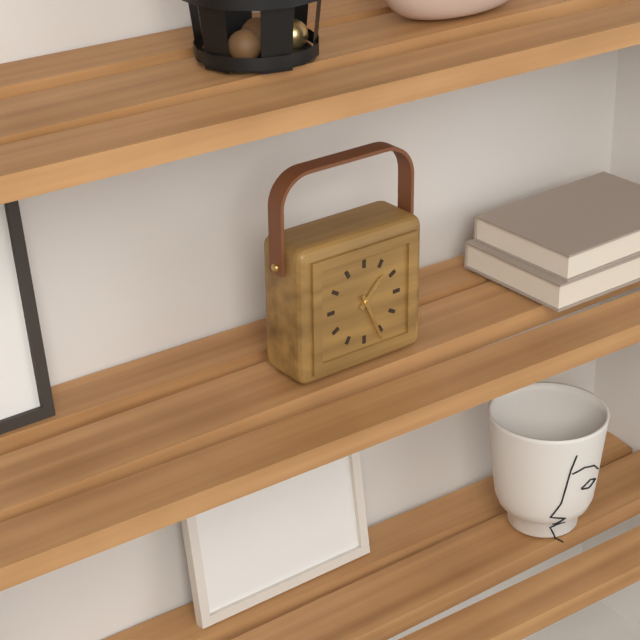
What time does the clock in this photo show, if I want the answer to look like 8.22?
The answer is 1.26
